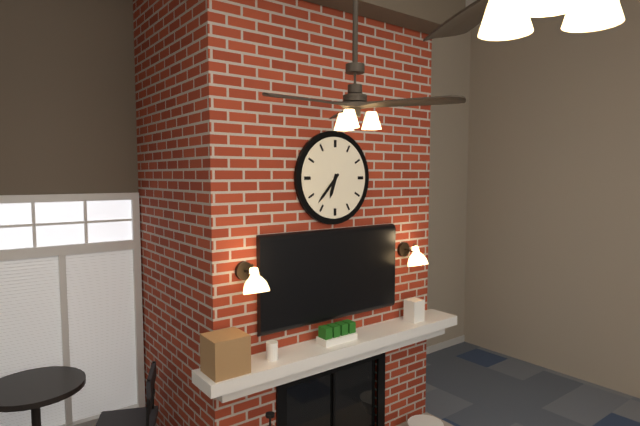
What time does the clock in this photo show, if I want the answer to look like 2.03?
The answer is 6.37
